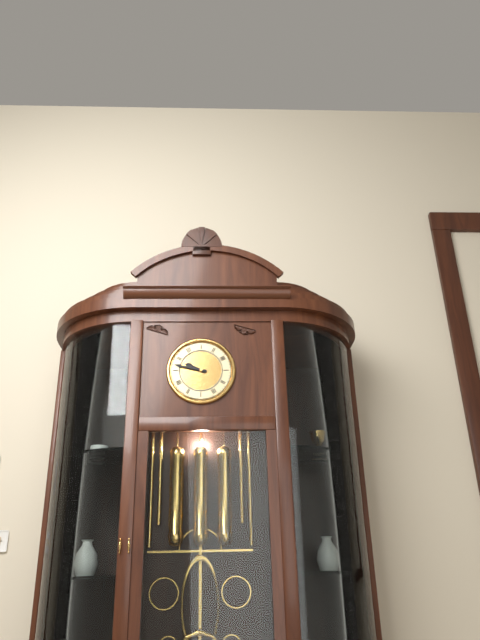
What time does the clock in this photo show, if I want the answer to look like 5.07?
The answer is 9.47
